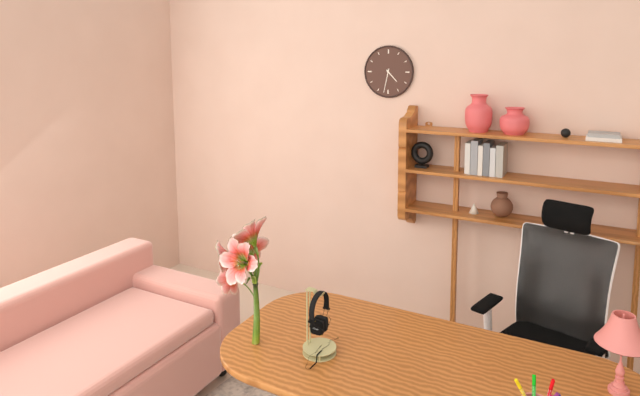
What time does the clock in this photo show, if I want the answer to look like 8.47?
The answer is 4.32
